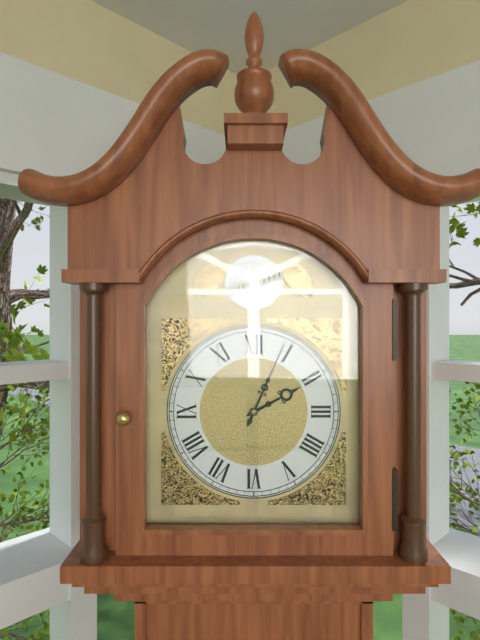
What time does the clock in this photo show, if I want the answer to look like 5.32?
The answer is 2.04
